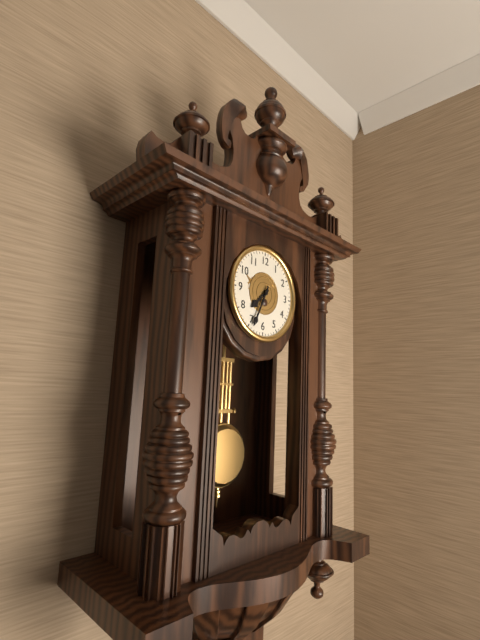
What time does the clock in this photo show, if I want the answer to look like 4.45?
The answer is 7.34
